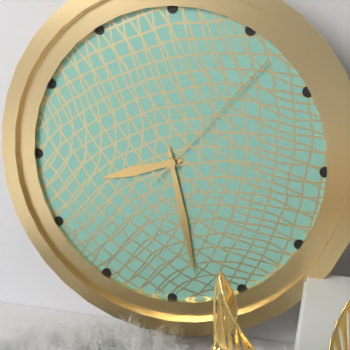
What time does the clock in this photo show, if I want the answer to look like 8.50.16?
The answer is 8.28.07
